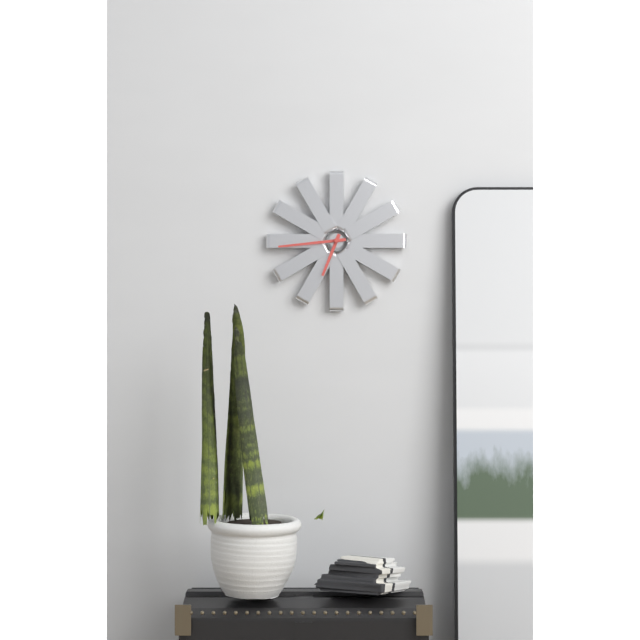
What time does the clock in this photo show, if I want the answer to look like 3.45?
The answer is 6.44
